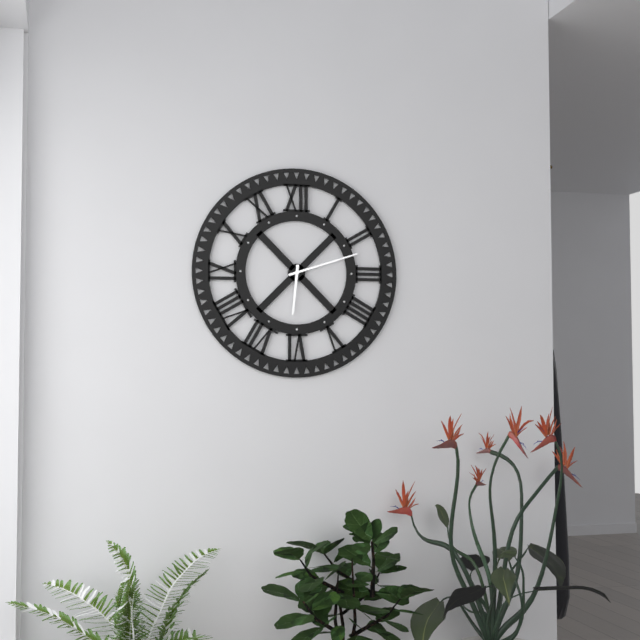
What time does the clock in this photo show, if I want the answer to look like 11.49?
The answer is 6.12
